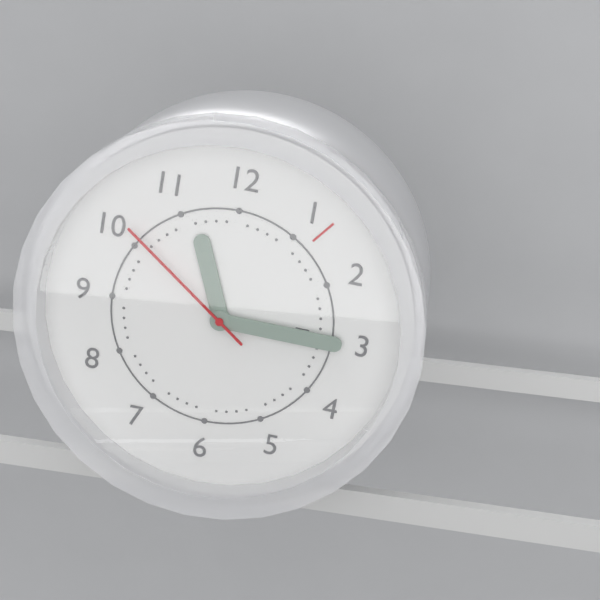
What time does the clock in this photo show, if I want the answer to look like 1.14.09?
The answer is 11.15.51
